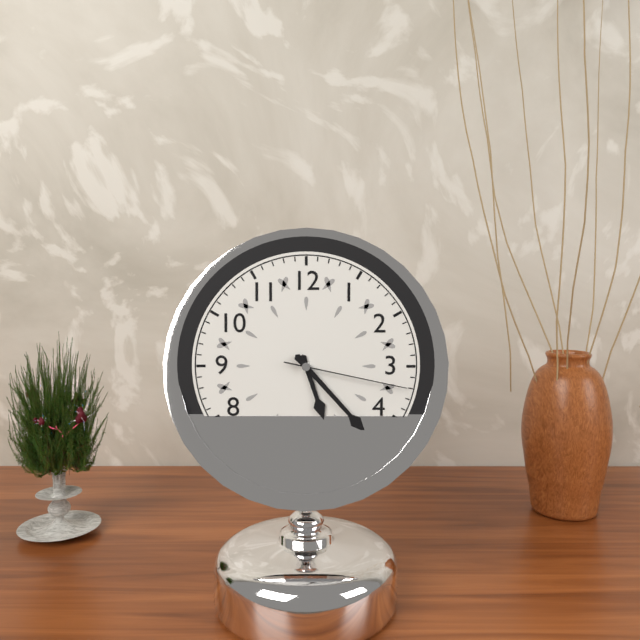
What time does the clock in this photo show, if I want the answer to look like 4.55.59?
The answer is 5.23.17
